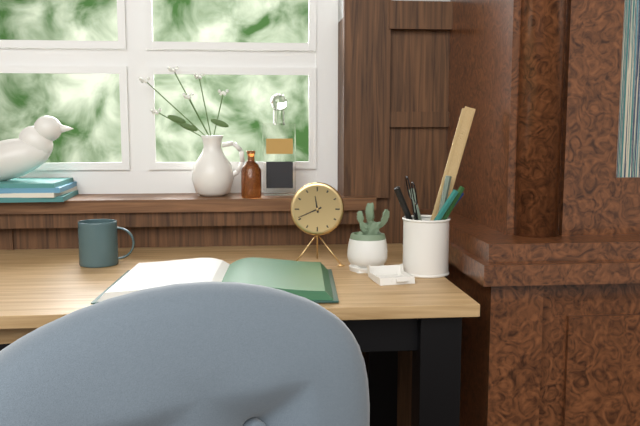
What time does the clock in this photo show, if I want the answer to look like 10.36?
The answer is 11.41
